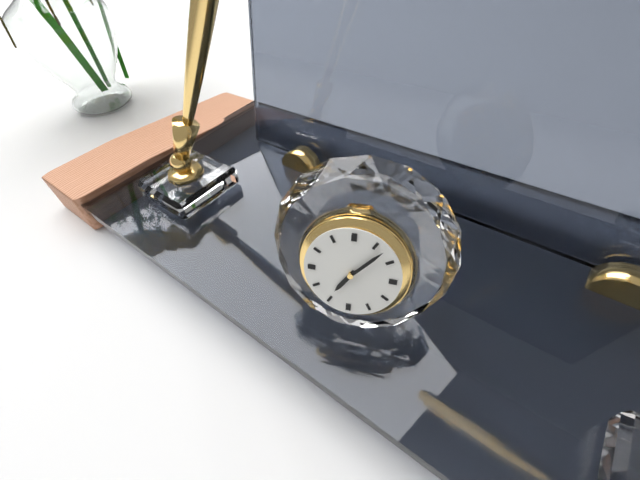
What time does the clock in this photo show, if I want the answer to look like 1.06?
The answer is 7.07
